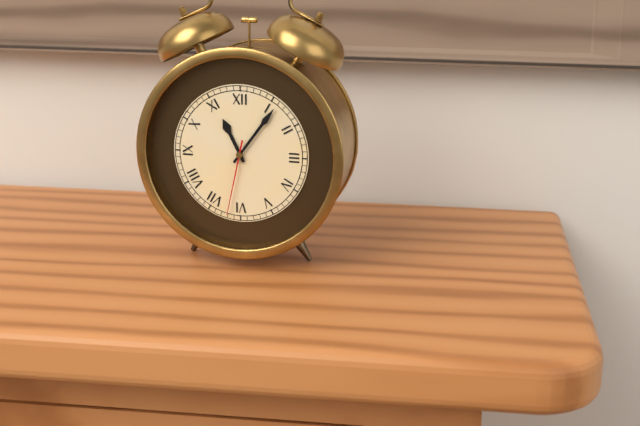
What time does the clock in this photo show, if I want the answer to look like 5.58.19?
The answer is 11.06.32
